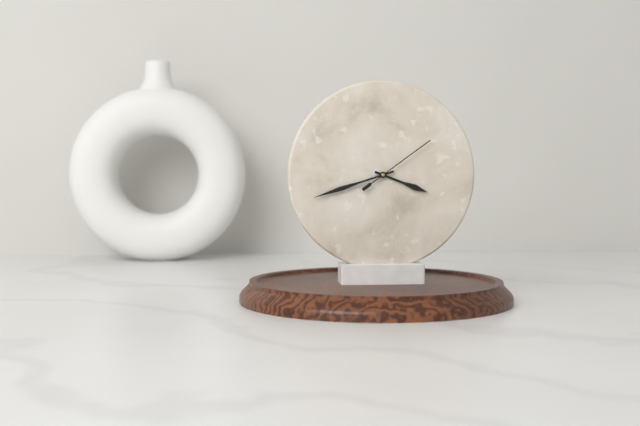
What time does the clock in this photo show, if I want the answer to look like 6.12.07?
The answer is 3.42.09
